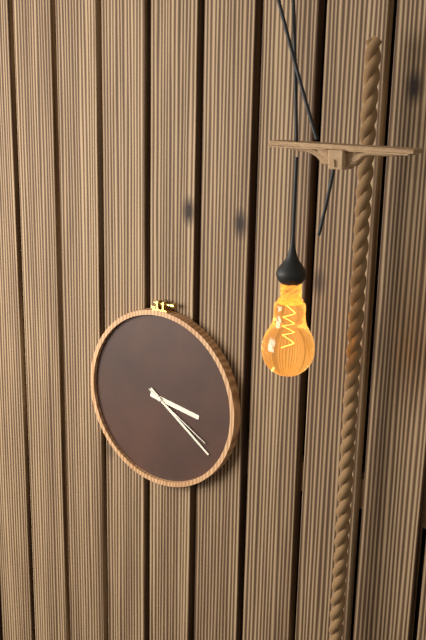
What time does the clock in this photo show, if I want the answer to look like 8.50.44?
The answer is 3.21.20
